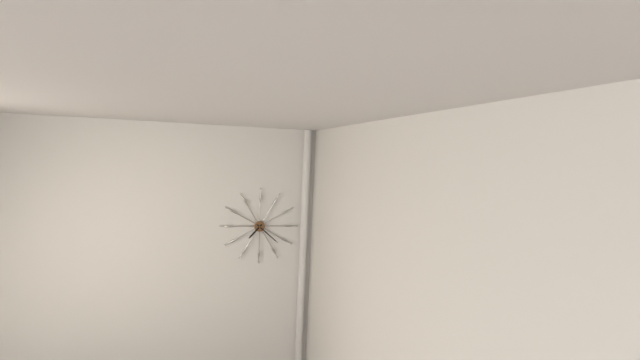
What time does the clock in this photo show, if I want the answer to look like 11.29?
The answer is 7.22
